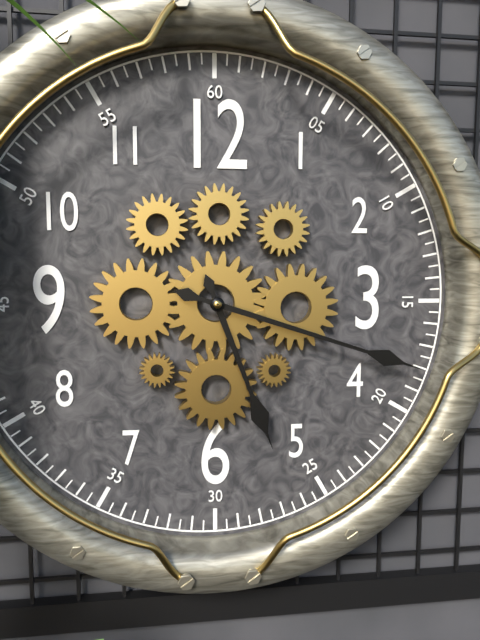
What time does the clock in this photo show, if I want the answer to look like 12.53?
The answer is 5.18
